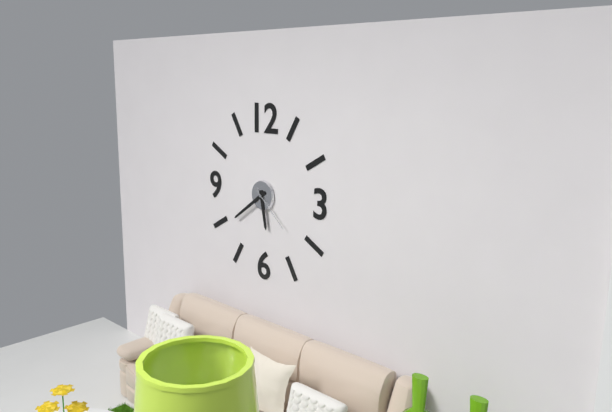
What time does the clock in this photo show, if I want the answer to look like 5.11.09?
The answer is 5.39.22
